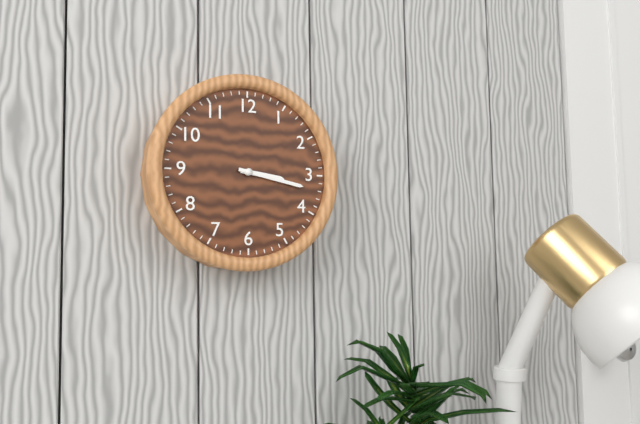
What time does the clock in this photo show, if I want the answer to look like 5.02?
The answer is 3.17
